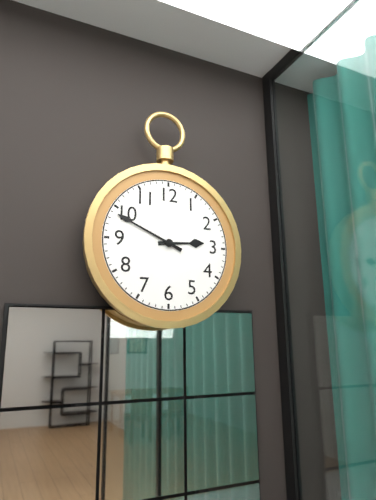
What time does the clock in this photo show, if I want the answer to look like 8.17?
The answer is 2.49
